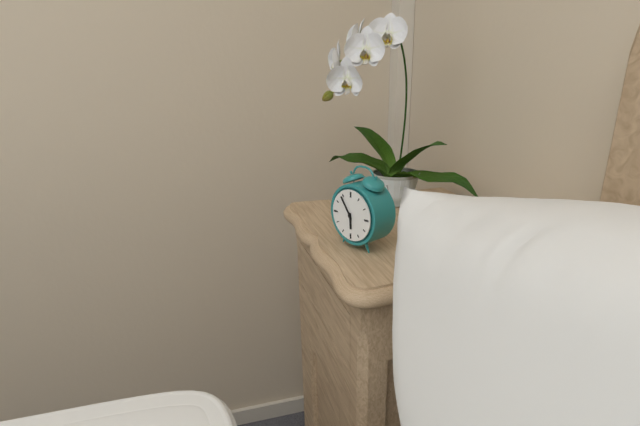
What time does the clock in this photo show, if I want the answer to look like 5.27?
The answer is 5.54
